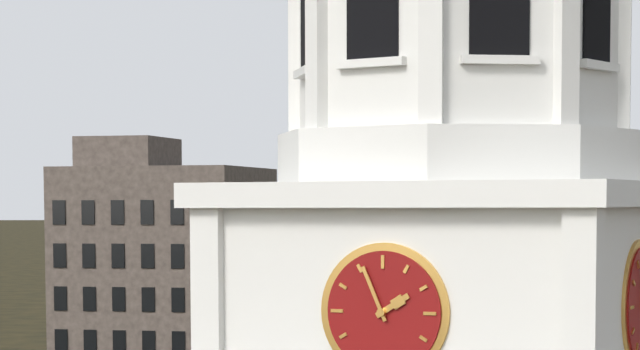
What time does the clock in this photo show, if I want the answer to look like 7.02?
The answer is 1.56
